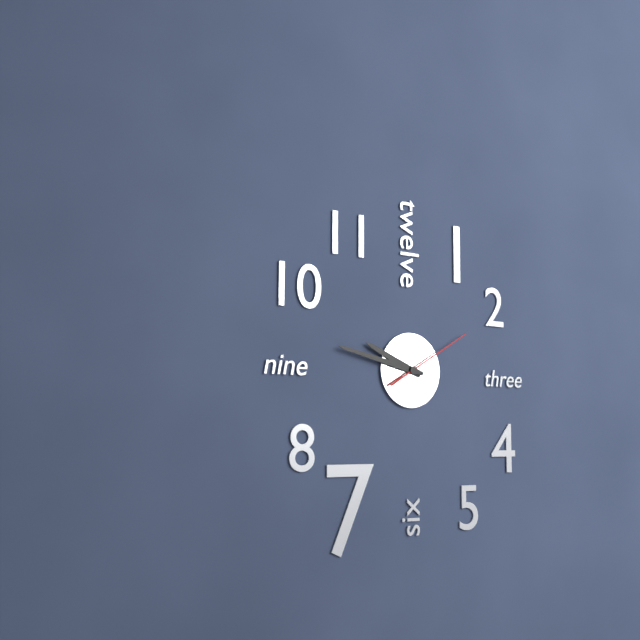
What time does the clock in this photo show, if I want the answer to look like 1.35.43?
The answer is 9.47.10
